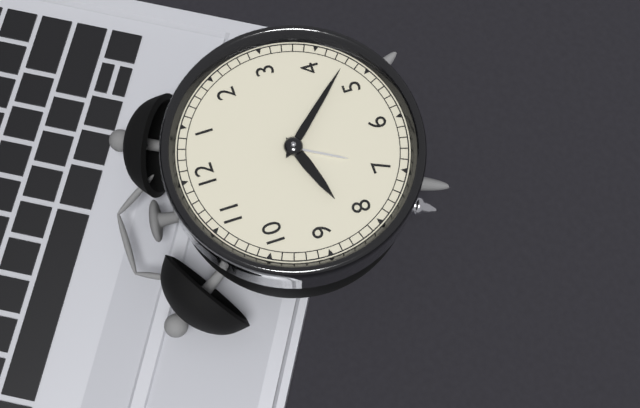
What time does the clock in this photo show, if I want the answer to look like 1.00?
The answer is 8.23
